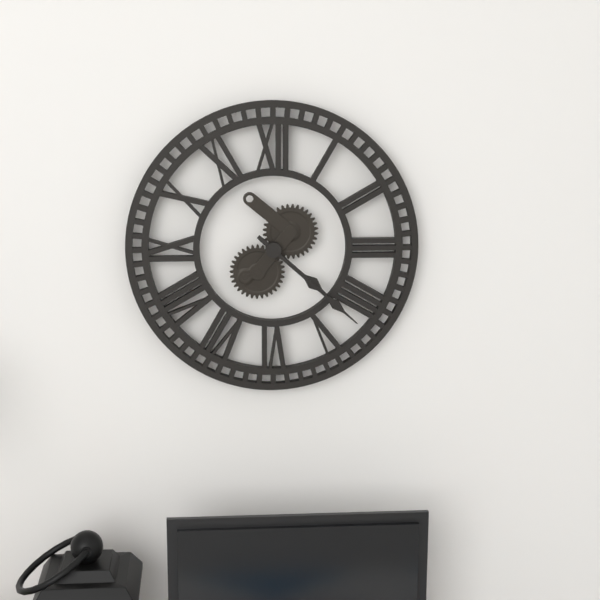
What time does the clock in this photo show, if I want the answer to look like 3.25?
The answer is 4.22
